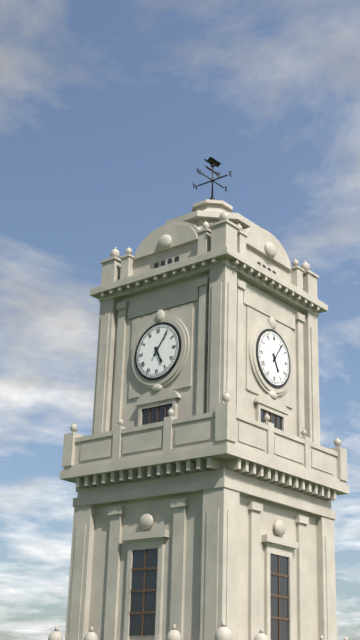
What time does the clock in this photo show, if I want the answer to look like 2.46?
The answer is 5.06
